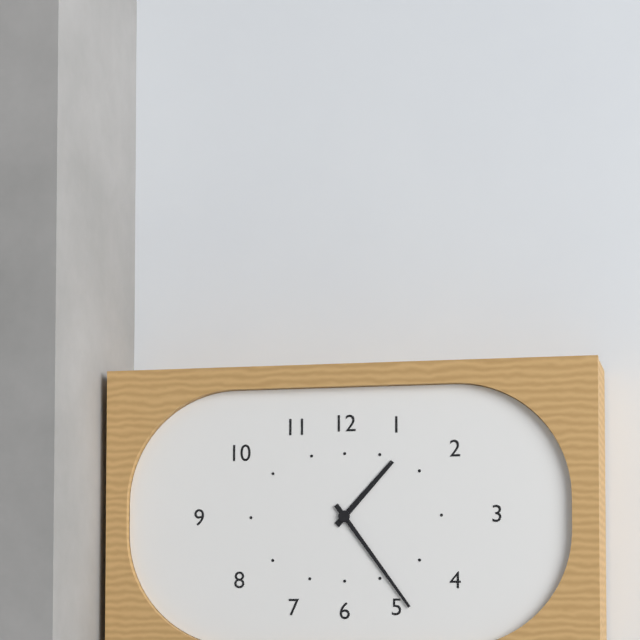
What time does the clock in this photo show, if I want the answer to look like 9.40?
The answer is 1.24
